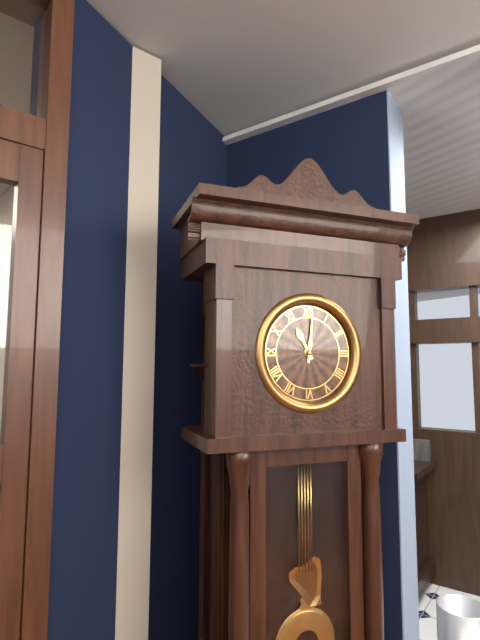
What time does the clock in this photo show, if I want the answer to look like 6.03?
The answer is 11.01
